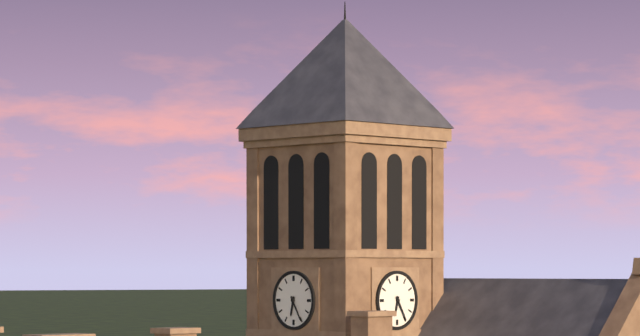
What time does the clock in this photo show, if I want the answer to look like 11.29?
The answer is 6.25
